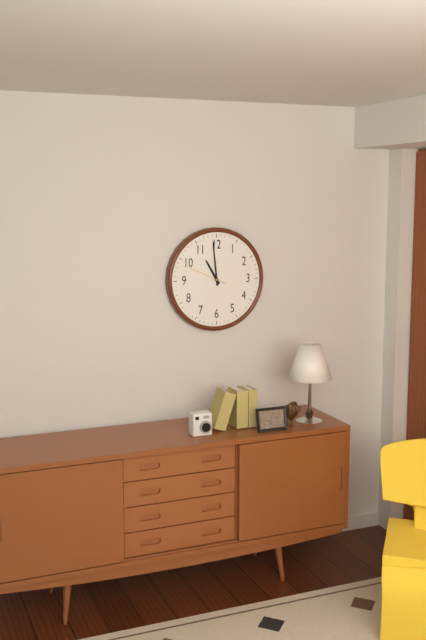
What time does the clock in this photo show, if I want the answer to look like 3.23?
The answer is 10.59
